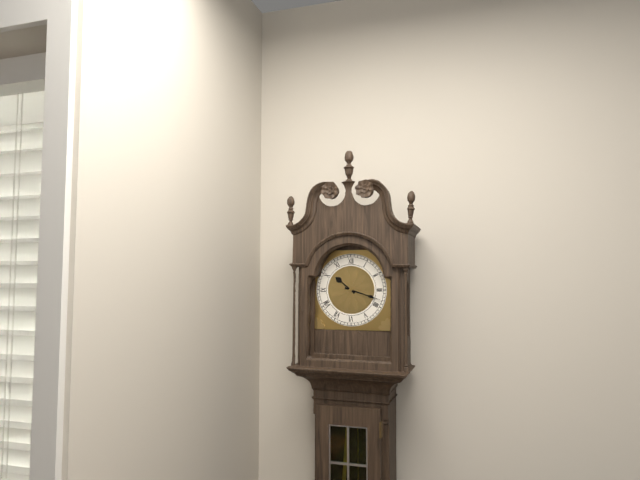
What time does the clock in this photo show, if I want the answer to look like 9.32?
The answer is 10.18
